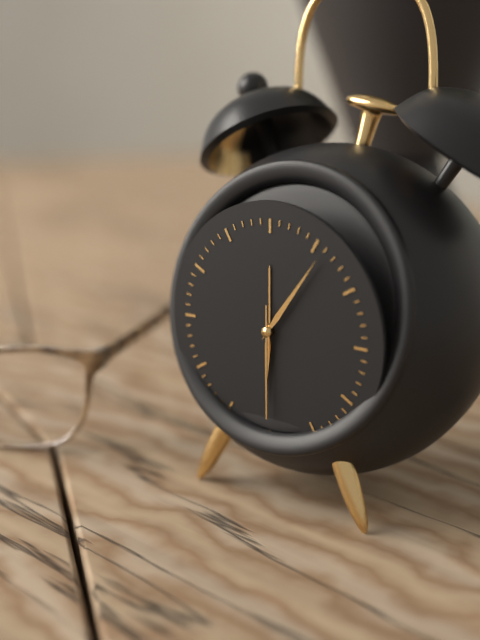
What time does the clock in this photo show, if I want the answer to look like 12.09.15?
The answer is 6.06.30
